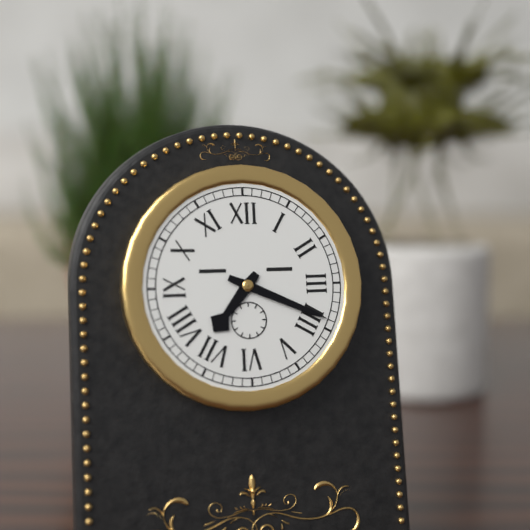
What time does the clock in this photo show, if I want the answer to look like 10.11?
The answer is 7.19
